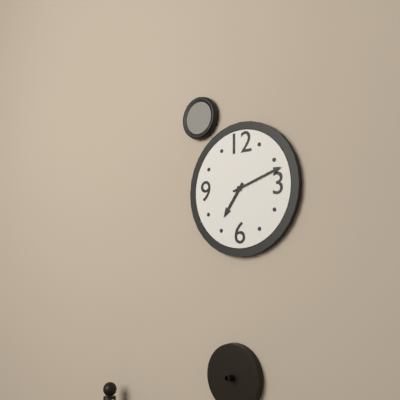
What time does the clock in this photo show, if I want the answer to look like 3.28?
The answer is 7.12
